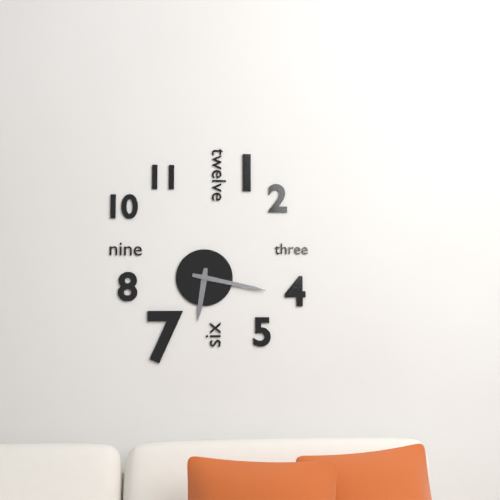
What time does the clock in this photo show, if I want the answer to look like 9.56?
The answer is 6.17
